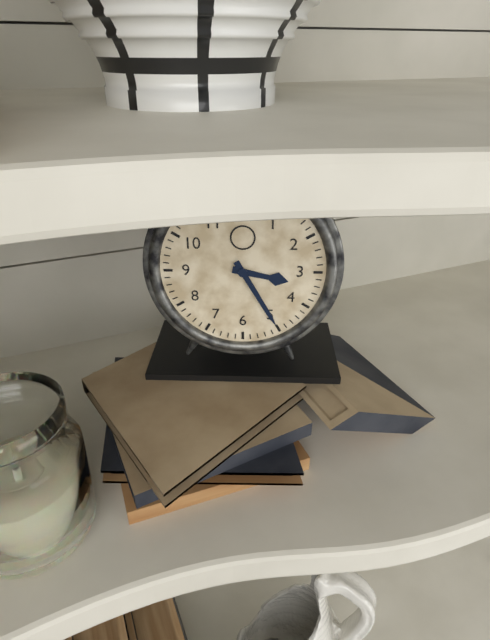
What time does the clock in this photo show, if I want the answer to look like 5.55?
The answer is 3.25
